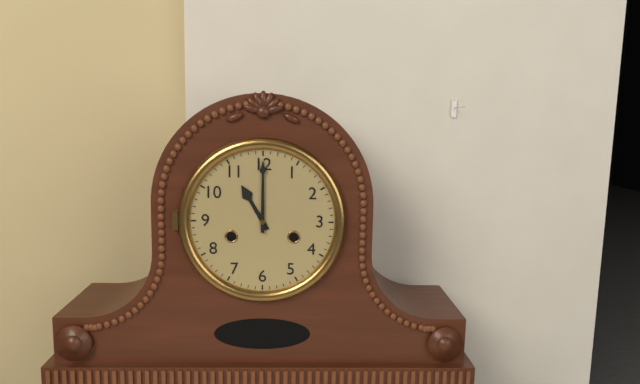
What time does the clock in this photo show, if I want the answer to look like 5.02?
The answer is 11.00
